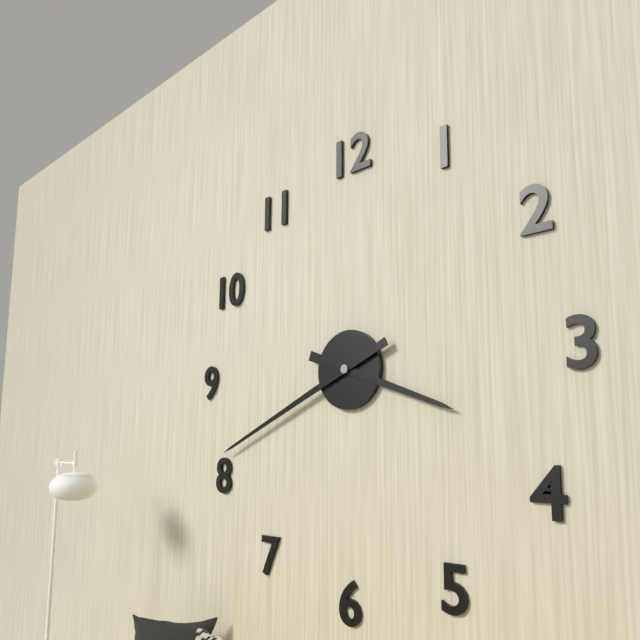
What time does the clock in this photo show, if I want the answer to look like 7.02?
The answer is 3.41
